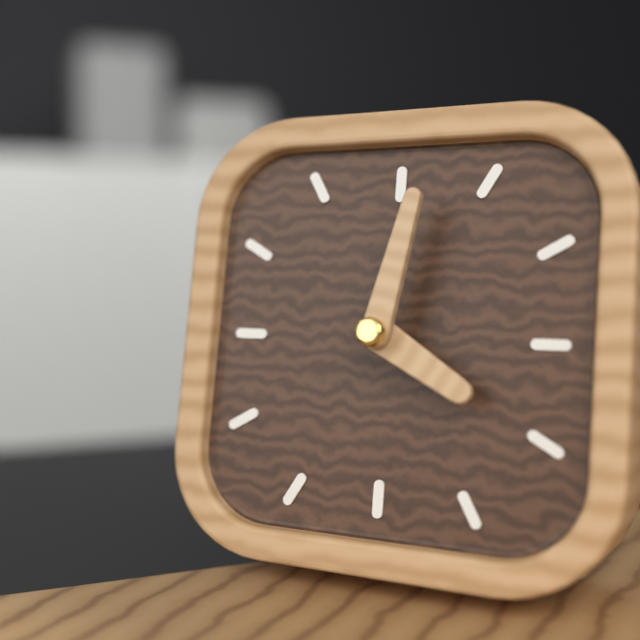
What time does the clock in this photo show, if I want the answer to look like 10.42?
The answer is 4.02
